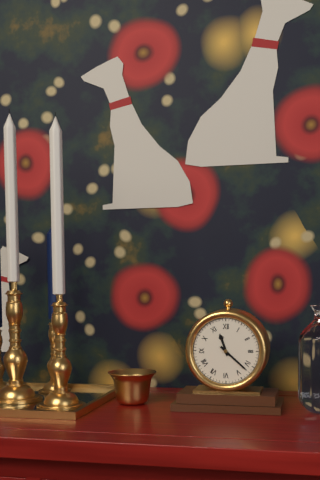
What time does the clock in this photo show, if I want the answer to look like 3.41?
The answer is 11.22
